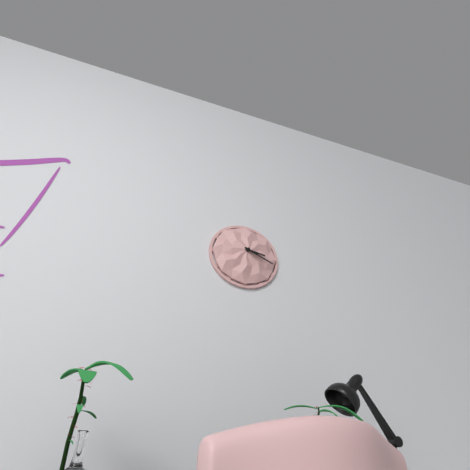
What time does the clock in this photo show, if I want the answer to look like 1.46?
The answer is 3.19
